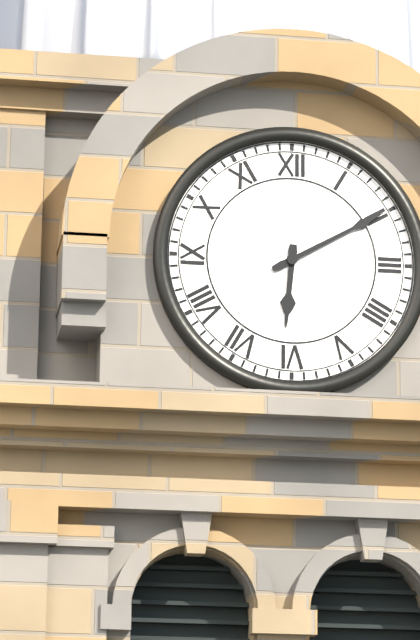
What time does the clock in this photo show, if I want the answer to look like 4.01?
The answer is 6.10
